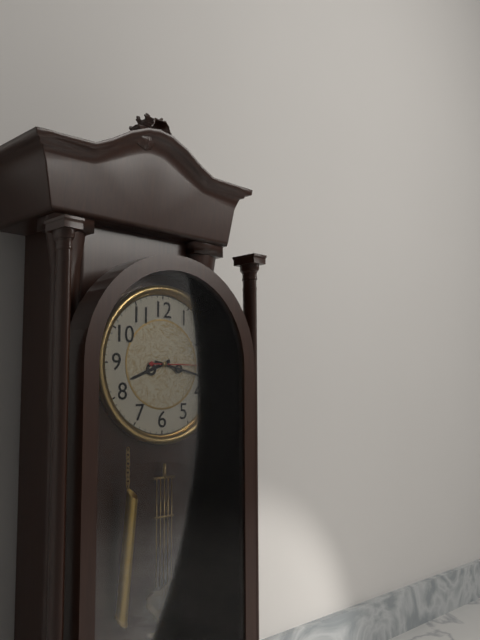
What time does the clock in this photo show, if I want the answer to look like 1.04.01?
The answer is 8.17.15
